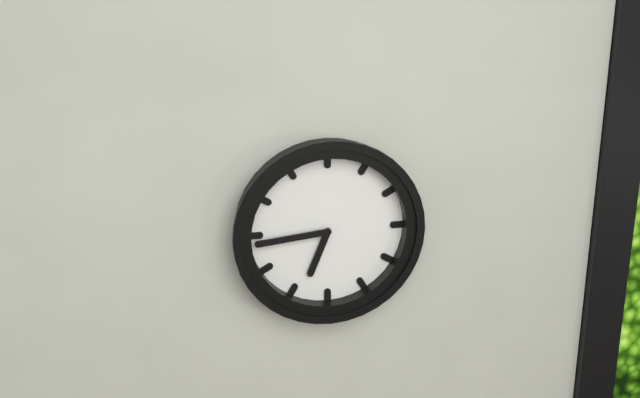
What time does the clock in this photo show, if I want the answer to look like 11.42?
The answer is 6.44
